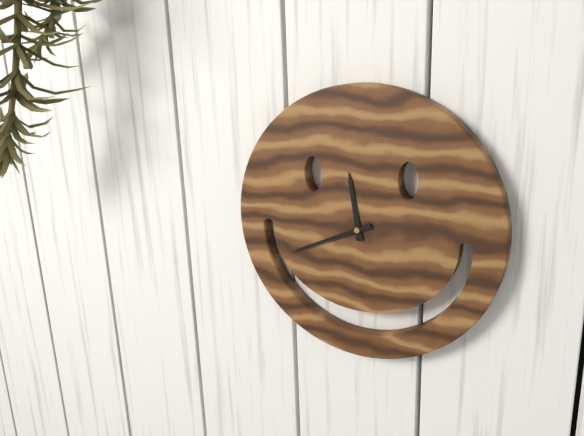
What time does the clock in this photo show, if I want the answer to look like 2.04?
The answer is 11.41
